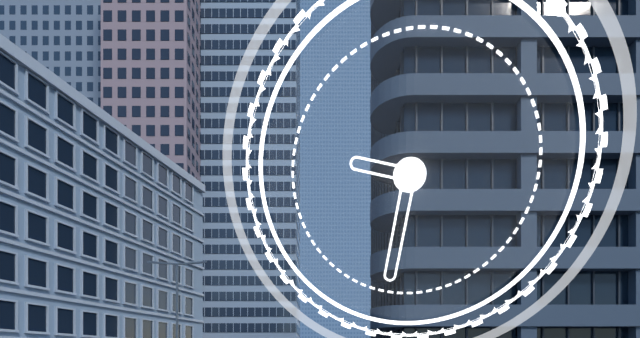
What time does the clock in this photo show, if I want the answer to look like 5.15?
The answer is 9.32
